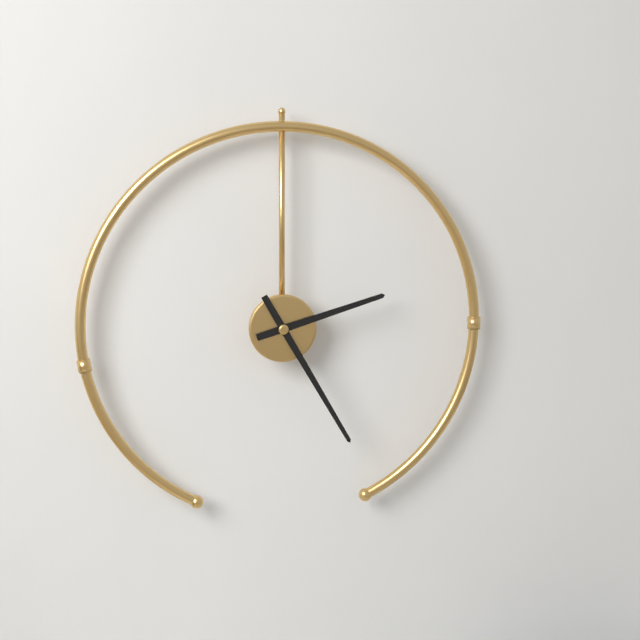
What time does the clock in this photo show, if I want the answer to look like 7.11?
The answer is 2.25
